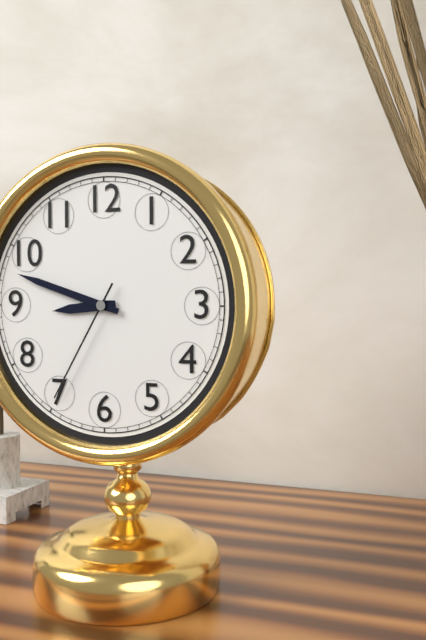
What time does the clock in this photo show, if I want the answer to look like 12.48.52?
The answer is 8.48.35
